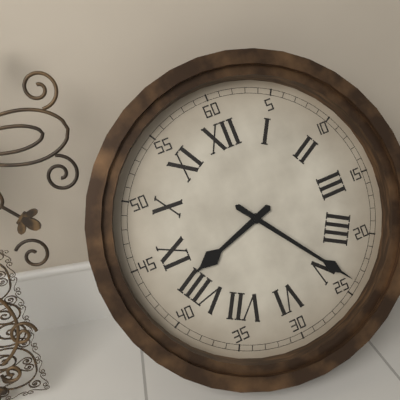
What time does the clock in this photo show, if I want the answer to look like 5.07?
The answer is 8.24
